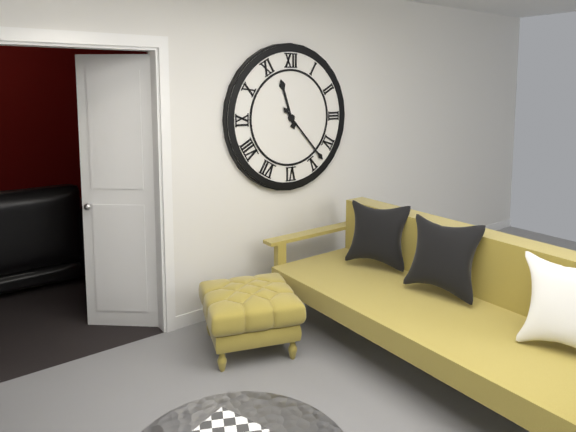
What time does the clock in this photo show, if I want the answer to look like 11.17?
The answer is 11.23
